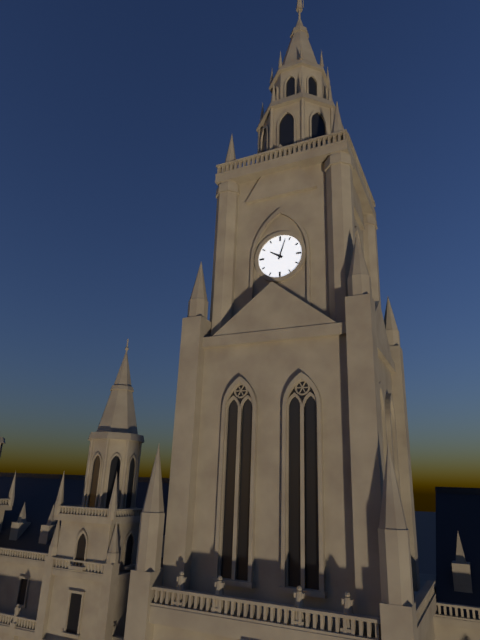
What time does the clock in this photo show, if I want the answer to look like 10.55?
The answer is 10.03
